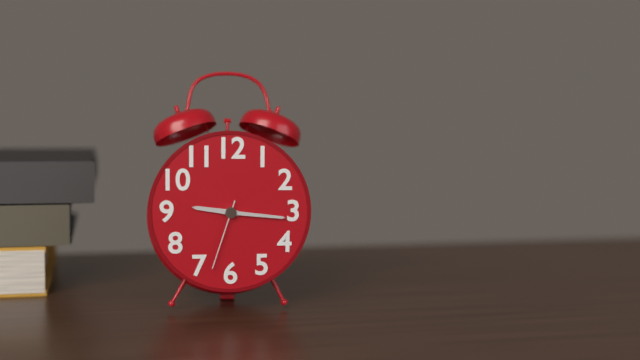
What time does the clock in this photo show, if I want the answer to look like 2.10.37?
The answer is 9.16.33
